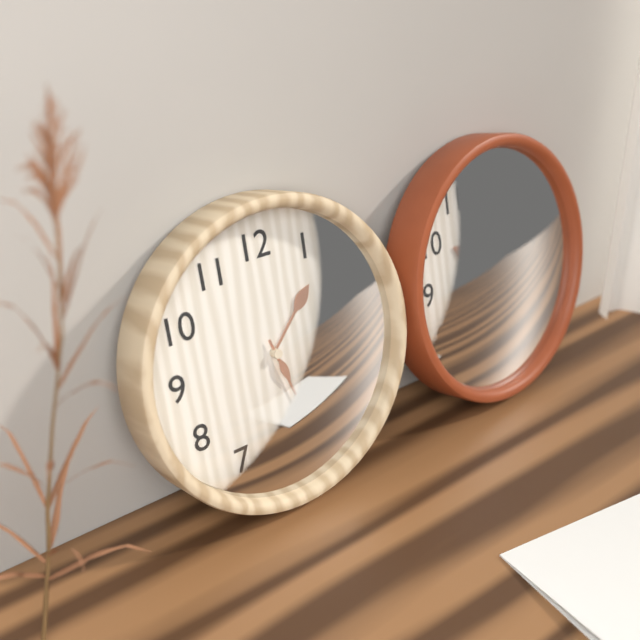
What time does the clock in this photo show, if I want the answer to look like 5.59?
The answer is 1.27
